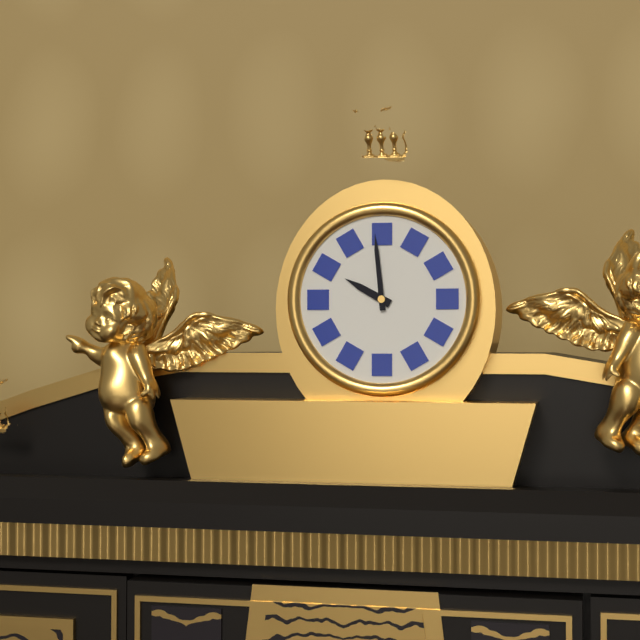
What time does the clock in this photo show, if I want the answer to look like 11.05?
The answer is 9.59
